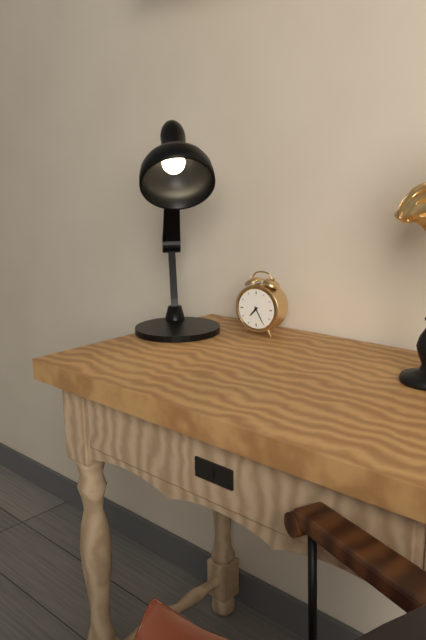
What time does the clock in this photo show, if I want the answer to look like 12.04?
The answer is 7.25
